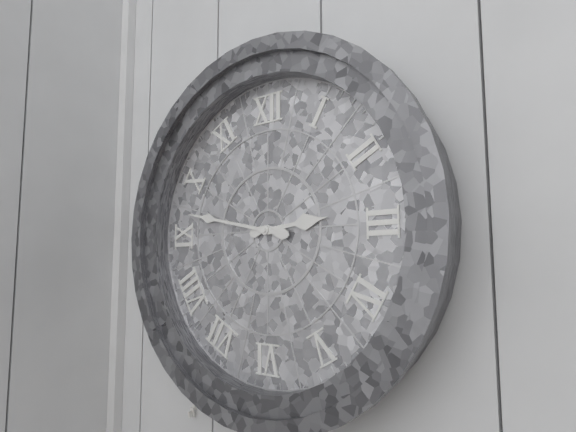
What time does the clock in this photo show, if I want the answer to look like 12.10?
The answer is 2.47
